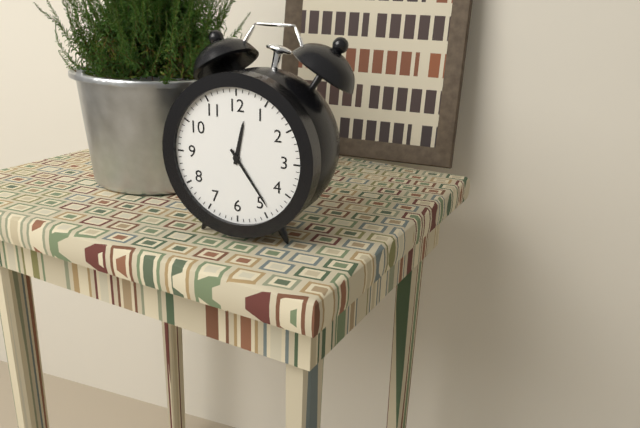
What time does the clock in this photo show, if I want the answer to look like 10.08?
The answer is 12.24
